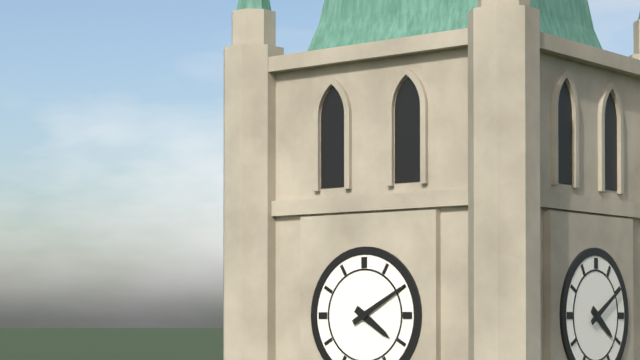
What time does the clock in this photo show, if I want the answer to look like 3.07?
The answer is 4.10
